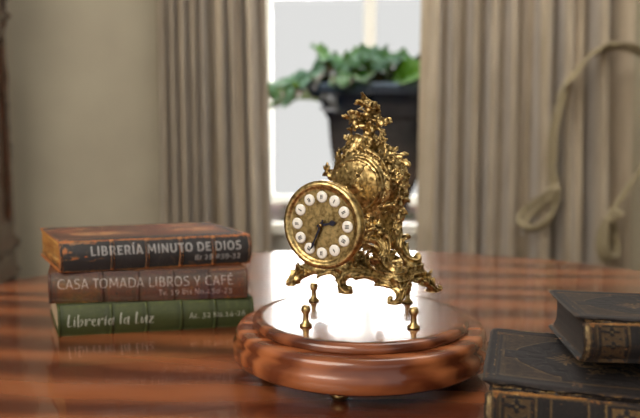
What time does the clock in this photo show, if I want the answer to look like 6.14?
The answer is 2.34
